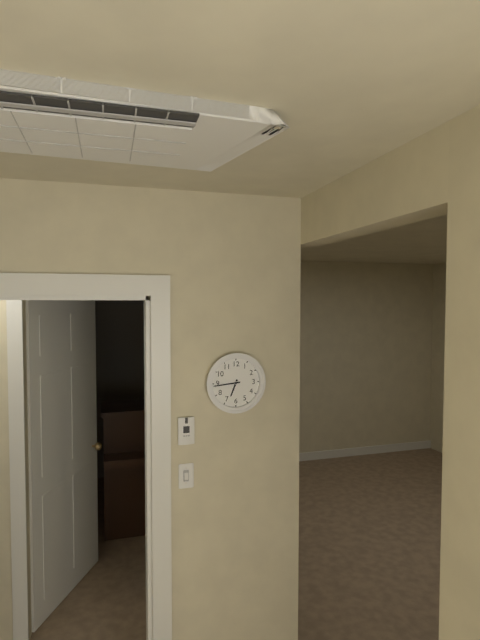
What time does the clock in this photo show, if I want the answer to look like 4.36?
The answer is 6.44
